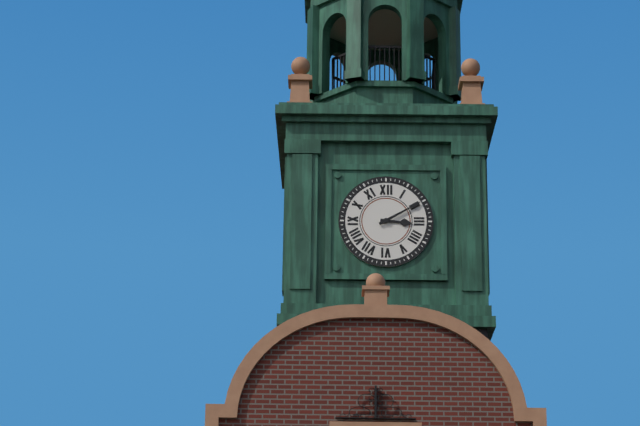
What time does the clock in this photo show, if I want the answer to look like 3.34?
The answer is 3.10
